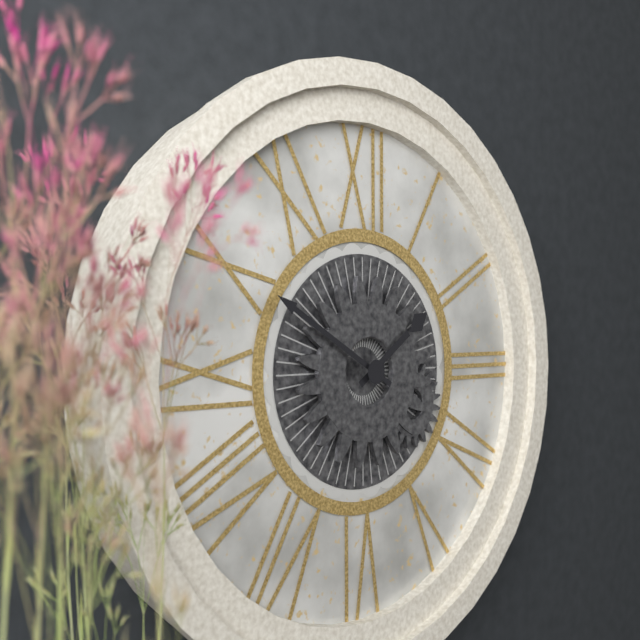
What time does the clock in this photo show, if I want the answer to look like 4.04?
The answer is 1.50
